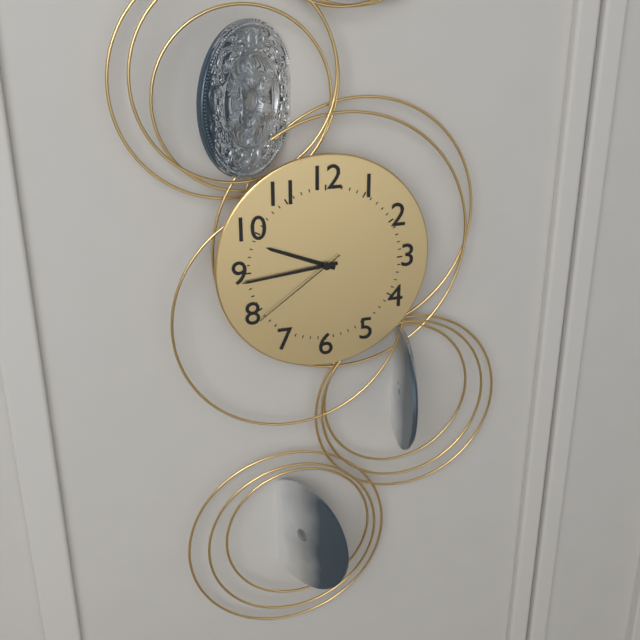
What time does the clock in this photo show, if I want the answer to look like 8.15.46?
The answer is 9.44.39
